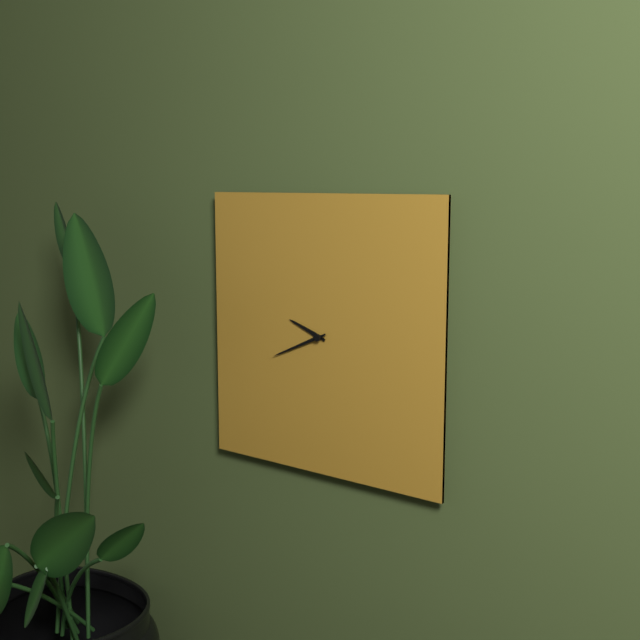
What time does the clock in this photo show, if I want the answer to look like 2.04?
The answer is 9.41
